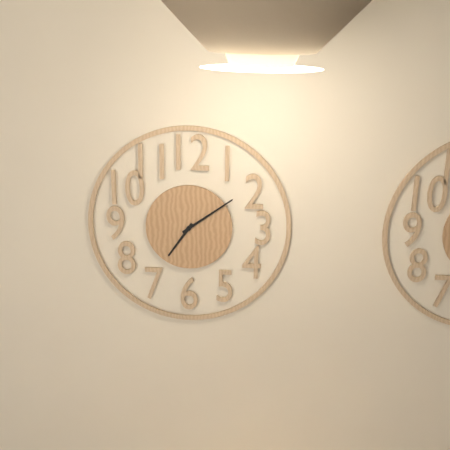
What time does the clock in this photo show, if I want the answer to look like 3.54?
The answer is 7.09
